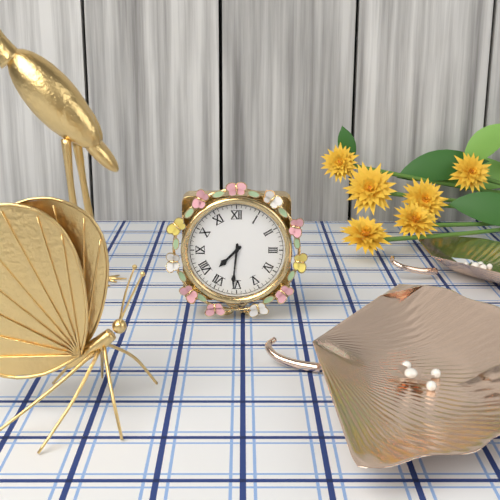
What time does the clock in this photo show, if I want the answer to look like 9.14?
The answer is 7.31
